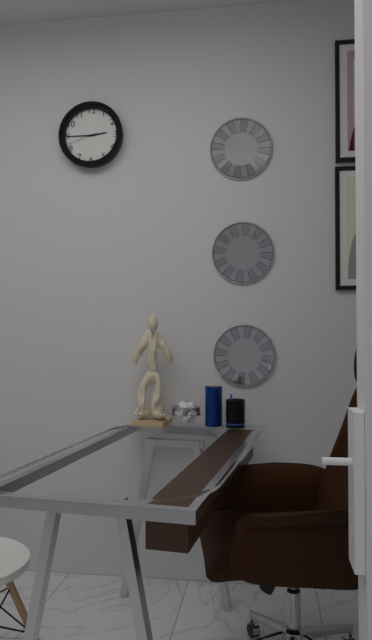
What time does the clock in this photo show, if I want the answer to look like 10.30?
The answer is 2.45
